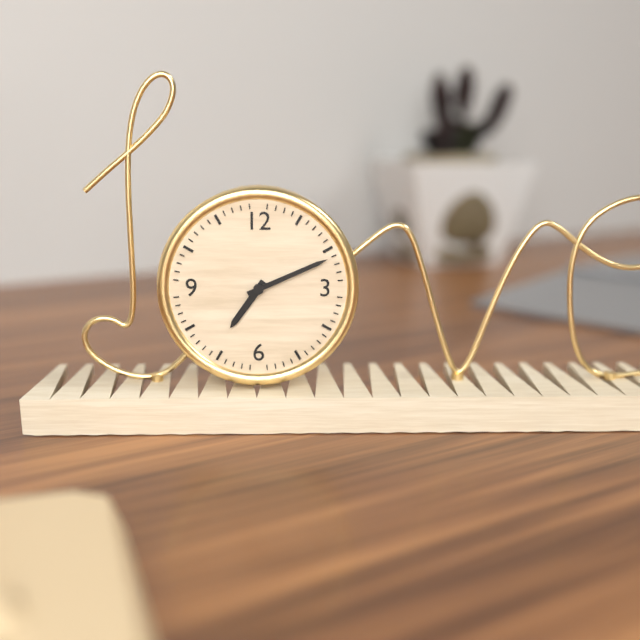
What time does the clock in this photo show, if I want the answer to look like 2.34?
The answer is 7.11
